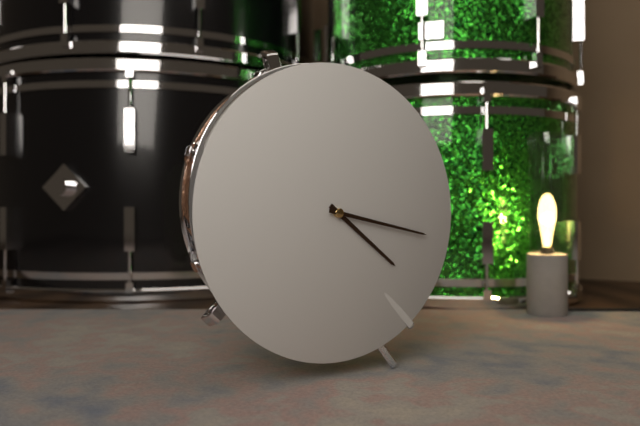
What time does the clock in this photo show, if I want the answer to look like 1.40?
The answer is 4.17
